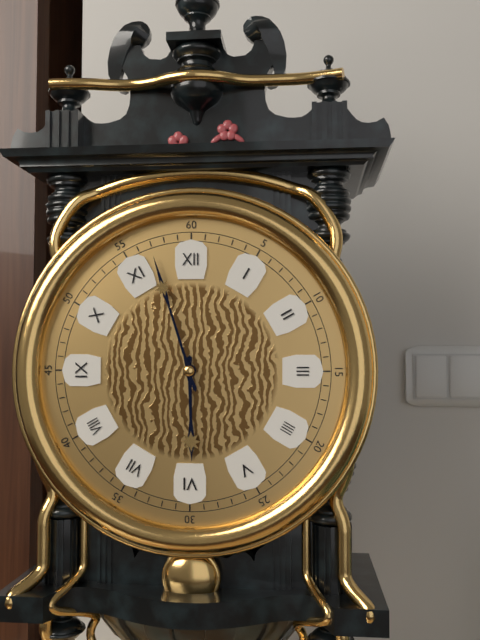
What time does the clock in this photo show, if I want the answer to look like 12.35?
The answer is 5.57
